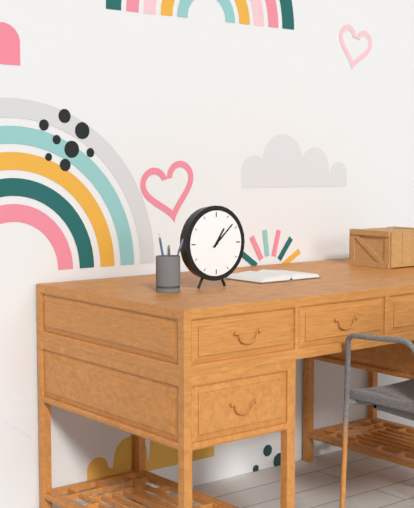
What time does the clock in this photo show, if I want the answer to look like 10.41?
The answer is 1.08
